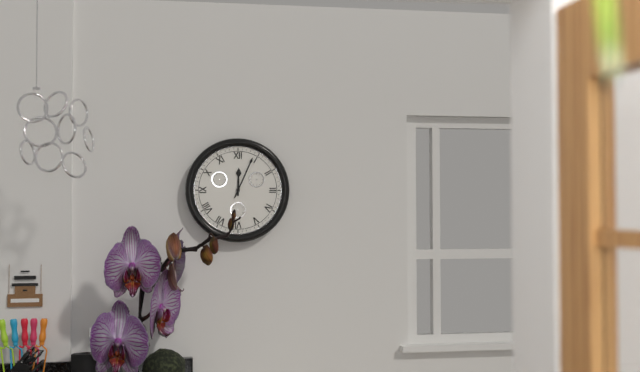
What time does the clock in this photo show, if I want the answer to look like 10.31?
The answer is 12.04
